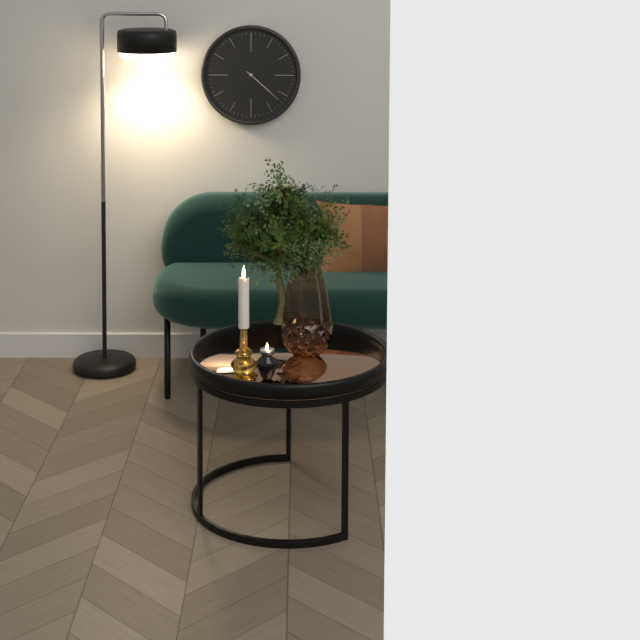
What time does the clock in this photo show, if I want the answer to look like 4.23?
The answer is 4.22
